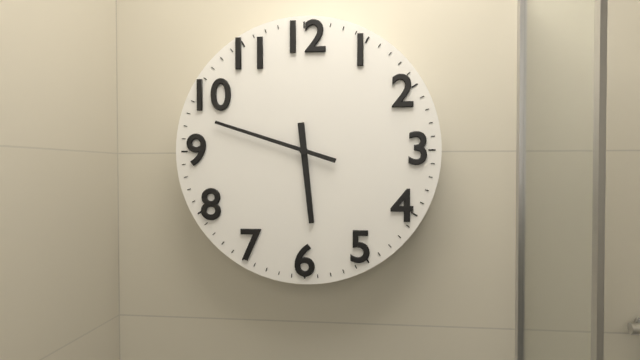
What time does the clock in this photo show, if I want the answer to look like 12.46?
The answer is 5.48
